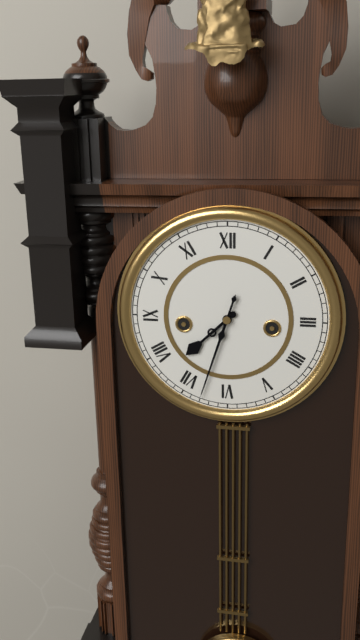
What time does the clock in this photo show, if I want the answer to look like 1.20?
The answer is 7.33
